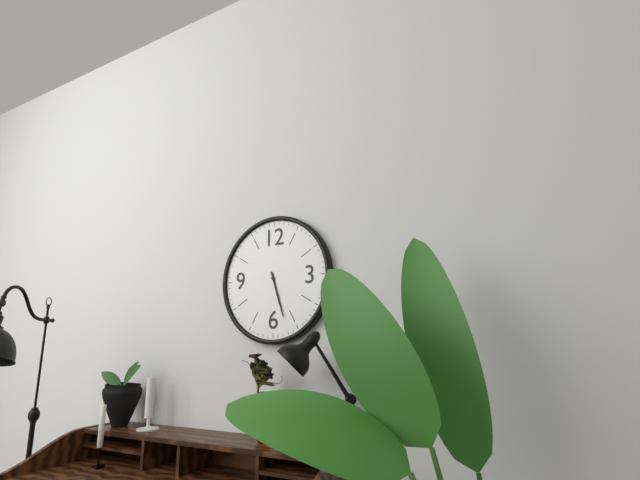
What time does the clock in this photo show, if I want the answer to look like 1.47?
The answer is 5.27
